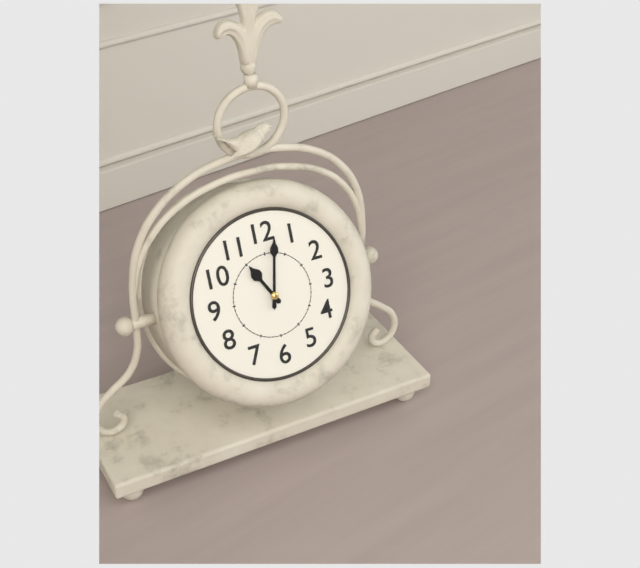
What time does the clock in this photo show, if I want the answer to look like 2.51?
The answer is 11.02
